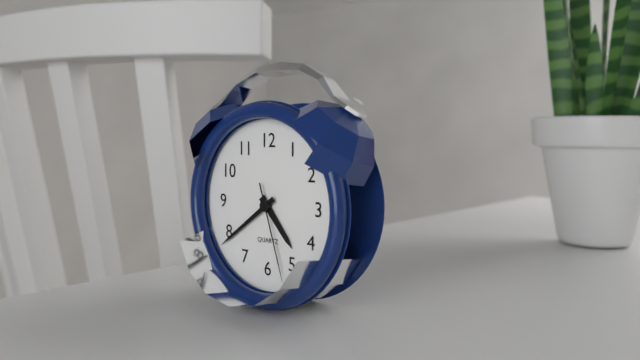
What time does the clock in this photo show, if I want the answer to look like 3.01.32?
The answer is 4.39.27
